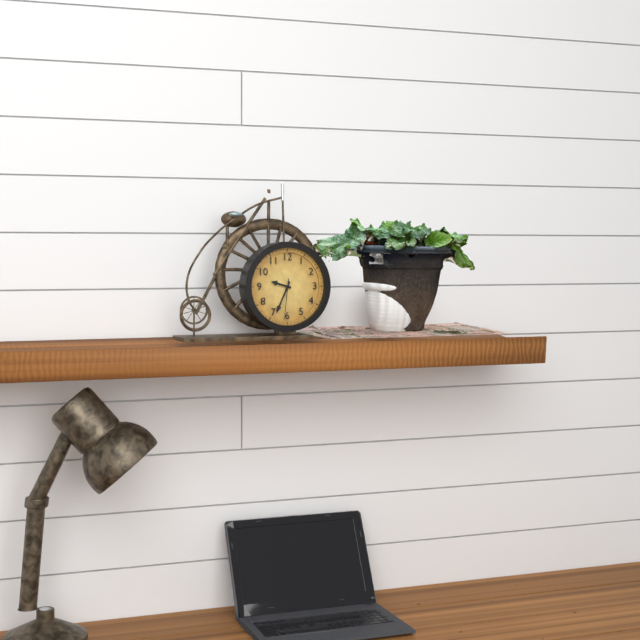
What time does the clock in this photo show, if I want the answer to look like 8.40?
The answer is 9.34
